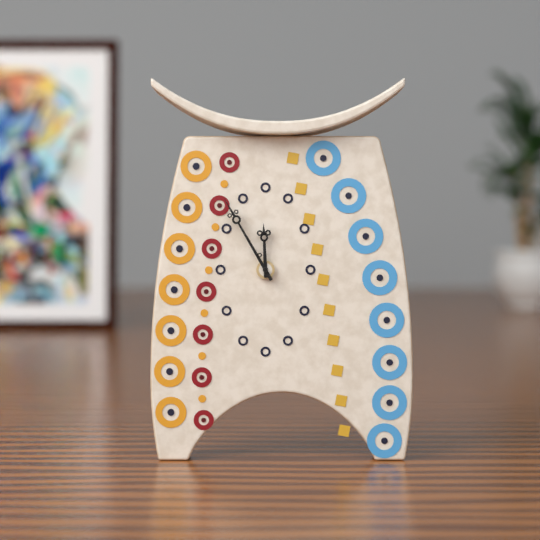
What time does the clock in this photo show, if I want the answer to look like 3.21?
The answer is 11.55
